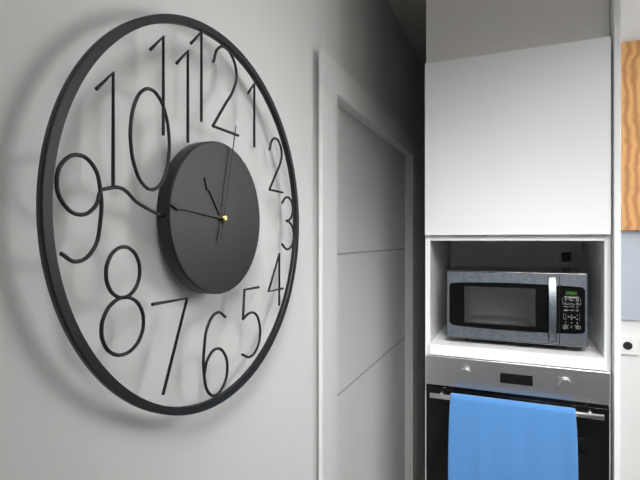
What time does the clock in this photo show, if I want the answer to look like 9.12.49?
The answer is 10.46.02
